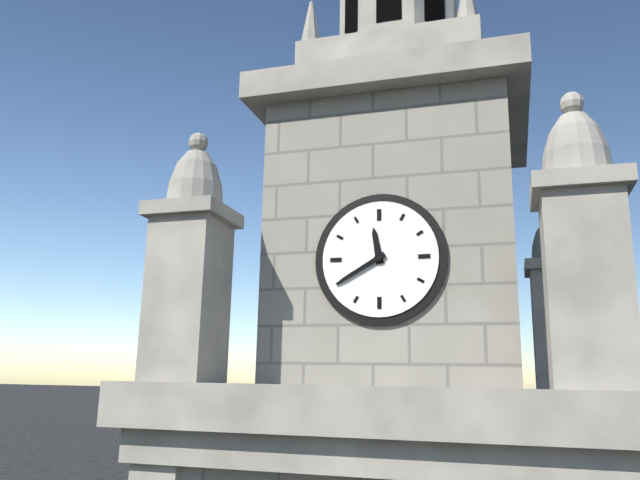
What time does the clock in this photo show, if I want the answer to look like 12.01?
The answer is 11.40
